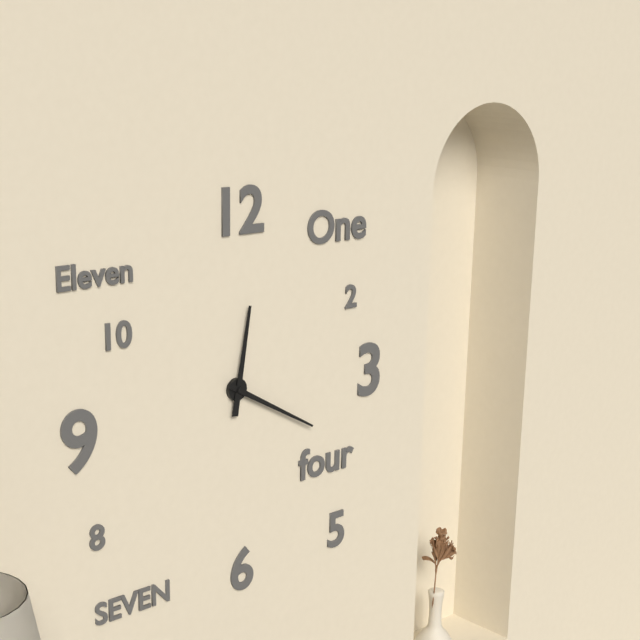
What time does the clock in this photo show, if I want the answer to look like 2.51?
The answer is 12.20
